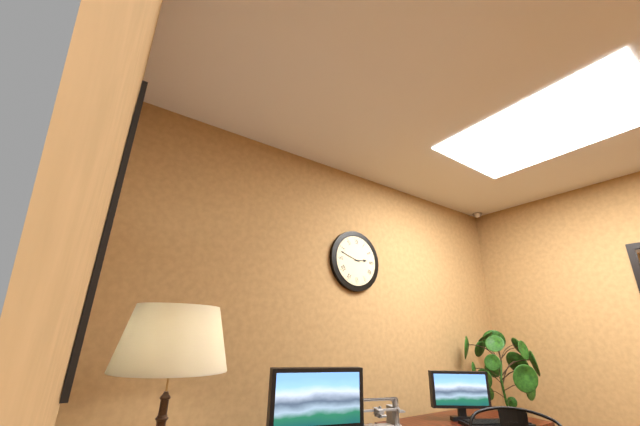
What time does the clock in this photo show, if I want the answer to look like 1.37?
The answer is 2.48
